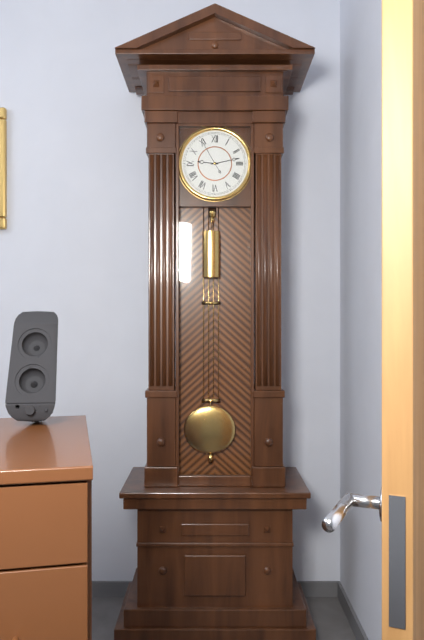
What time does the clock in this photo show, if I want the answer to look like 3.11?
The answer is 9.13
